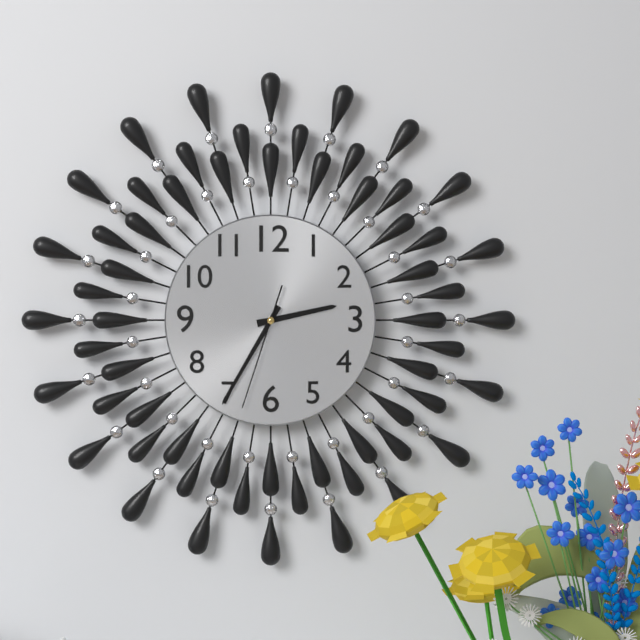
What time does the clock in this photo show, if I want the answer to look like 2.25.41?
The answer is 2.35.33
